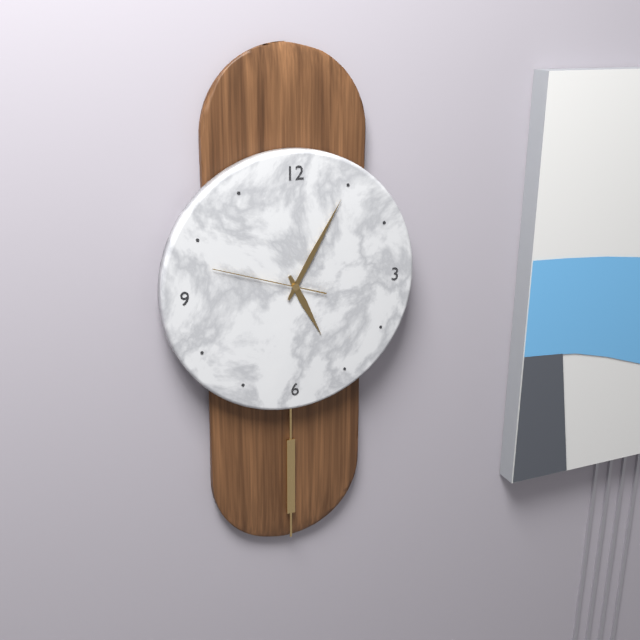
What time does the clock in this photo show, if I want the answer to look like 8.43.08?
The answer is 5.05.48
